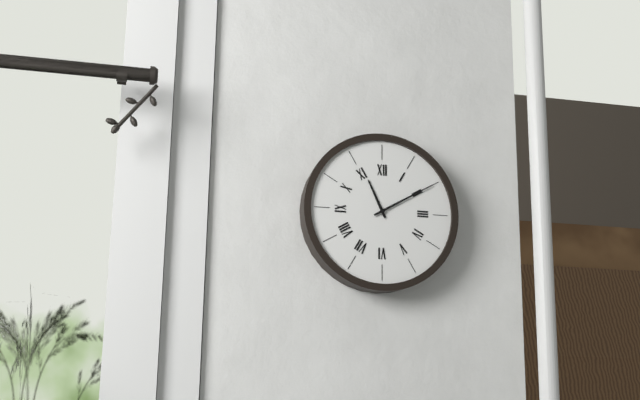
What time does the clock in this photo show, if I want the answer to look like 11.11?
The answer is 11.10
